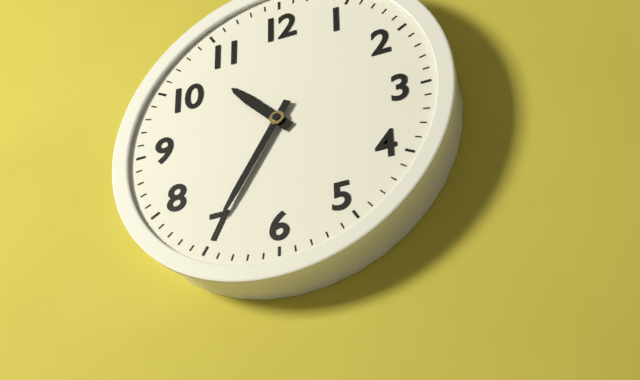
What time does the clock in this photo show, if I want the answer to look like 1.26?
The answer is 10.35
